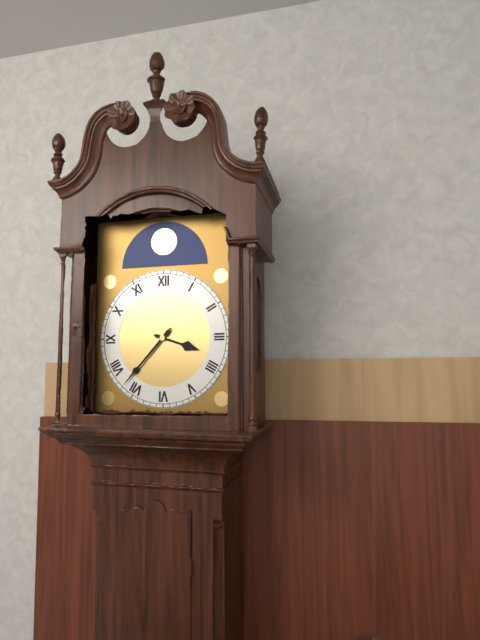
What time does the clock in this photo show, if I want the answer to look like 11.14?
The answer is 3.37
